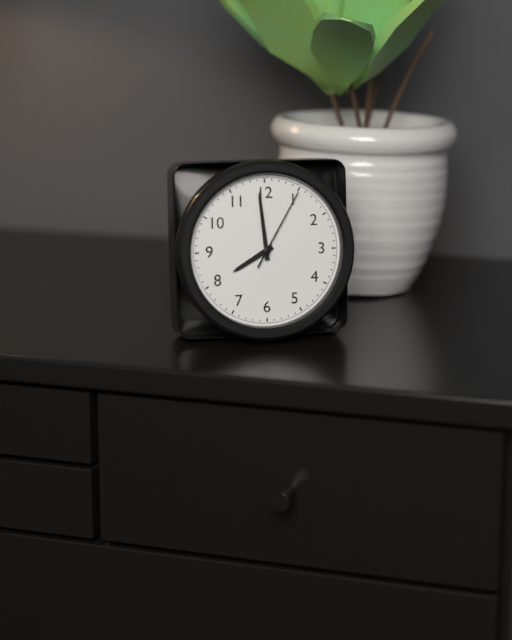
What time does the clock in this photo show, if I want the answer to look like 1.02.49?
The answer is 7.59.05
